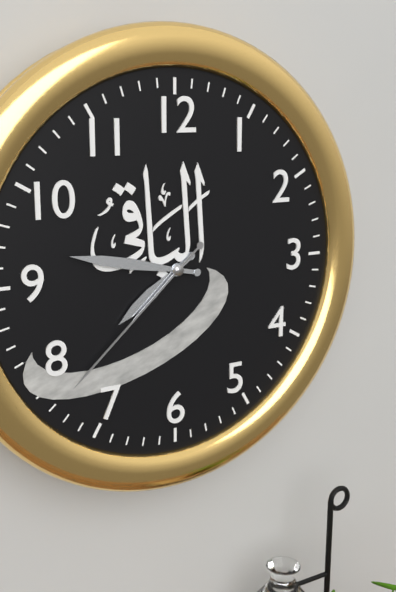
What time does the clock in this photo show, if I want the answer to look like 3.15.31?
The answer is 7.47.38
